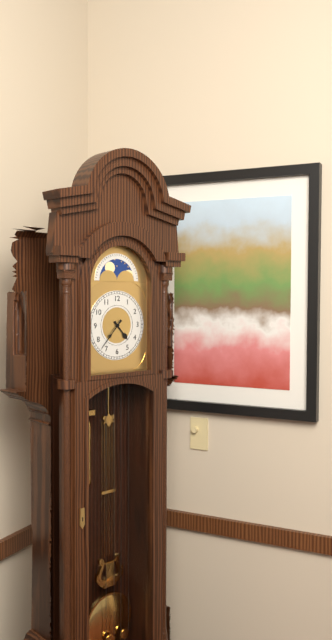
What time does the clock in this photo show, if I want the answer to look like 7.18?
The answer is 4.37
